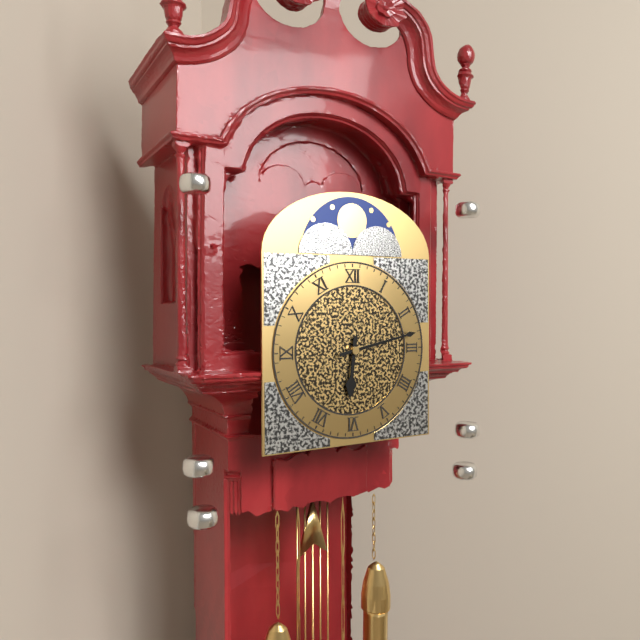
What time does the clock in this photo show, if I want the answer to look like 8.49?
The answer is 6.13
